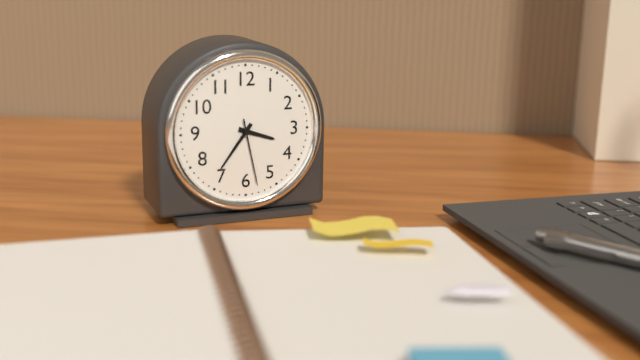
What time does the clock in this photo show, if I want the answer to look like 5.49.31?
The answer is 3.36.28
